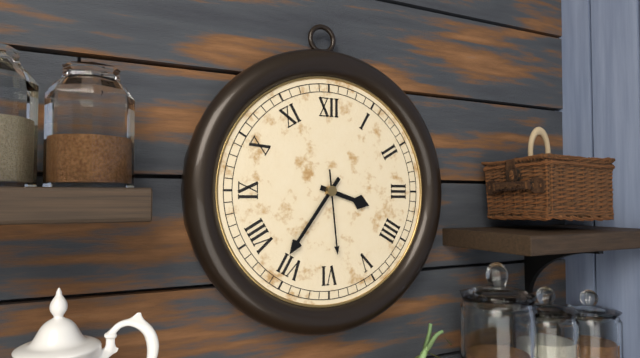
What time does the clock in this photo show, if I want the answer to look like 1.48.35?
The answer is 3.36.29
